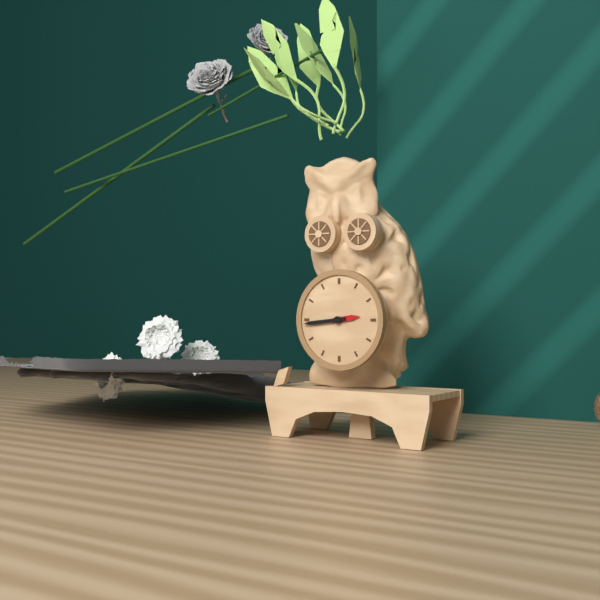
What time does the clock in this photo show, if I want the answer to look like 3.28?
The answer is 2.44
